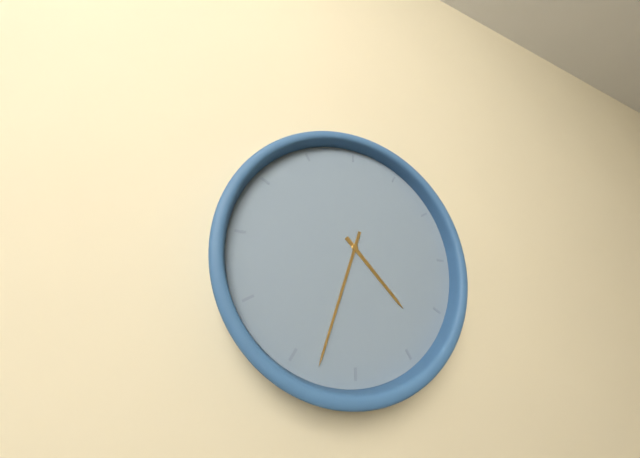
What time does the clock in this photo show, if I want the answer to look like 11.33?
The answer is 4.33
